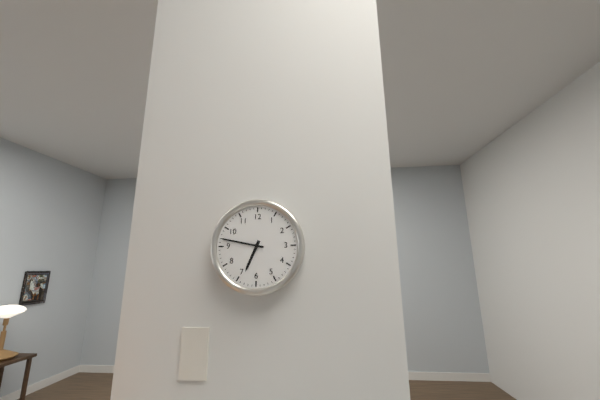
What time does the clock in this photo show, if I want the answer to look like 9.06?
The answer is 6.47
